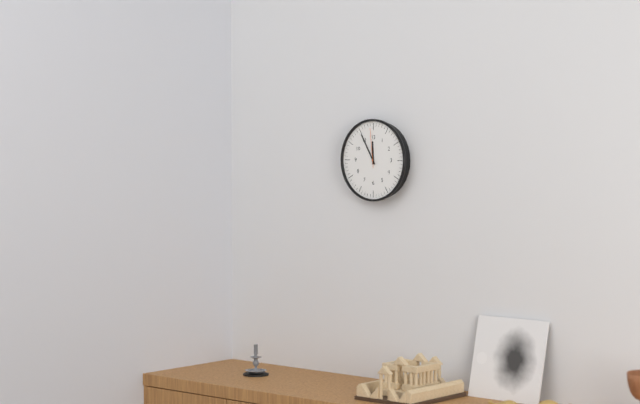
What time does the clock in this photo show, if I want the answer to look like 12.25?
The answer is 11.55
